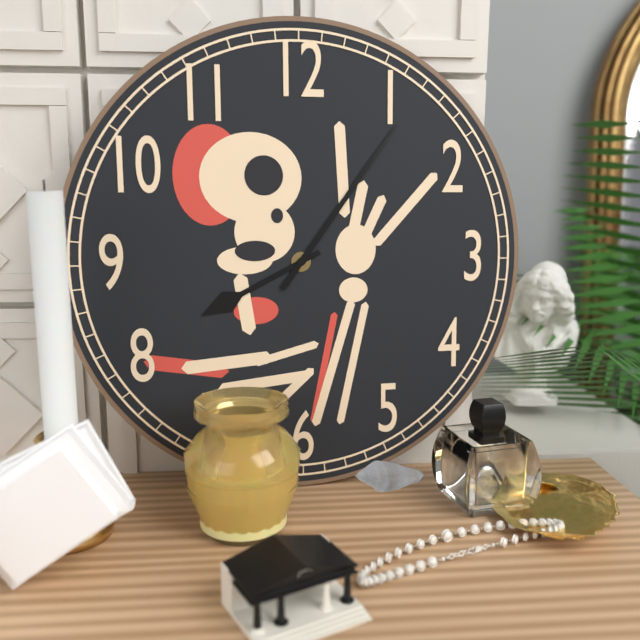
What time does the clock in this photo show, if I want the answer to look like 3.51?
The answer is 8.06
